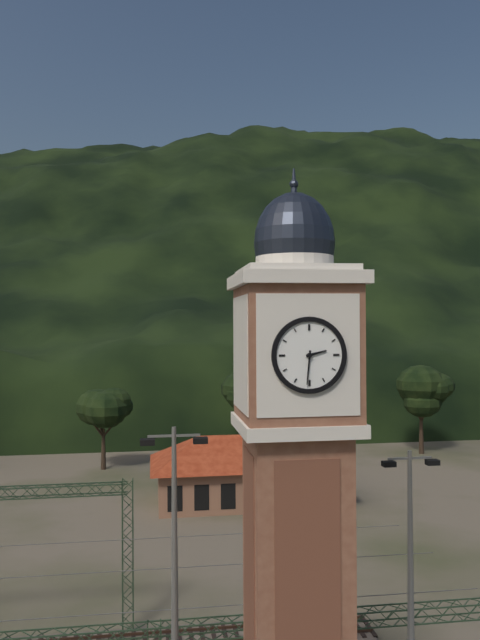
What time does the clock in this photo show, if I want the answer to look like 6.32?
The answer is 2.31
